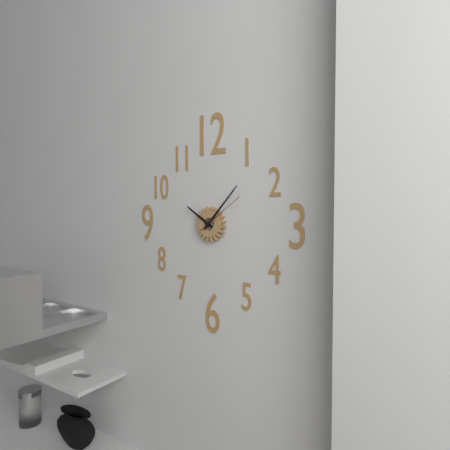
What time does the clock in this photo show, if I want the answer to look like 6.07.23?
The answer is 10.07.09
